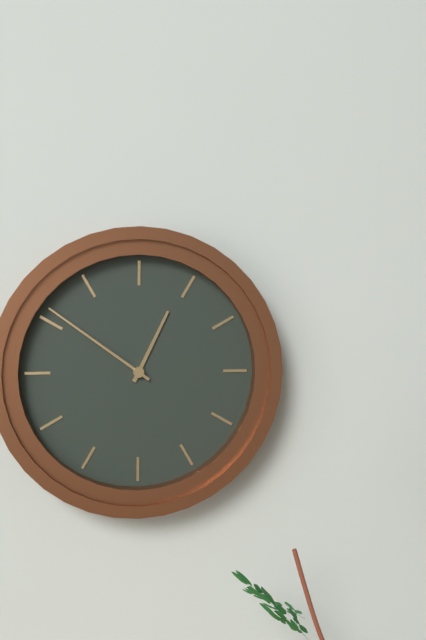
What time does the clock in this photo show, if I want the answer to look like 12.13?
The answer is 12.51
